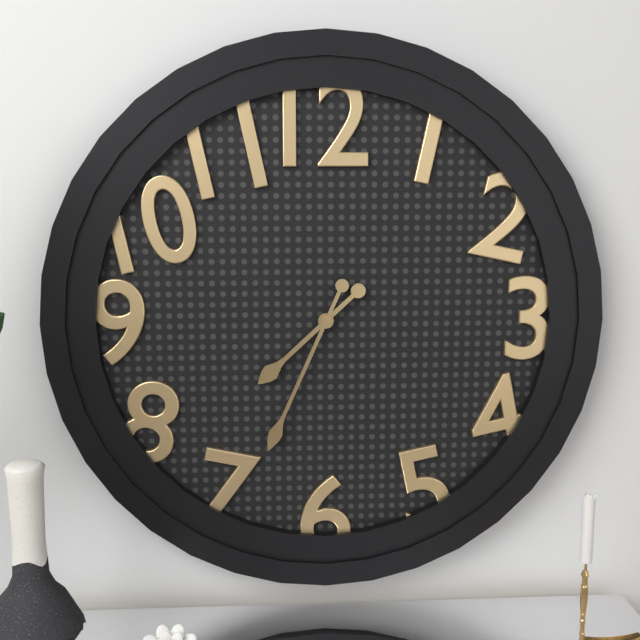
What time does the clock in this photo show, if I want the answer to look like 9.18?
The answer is 7.34
